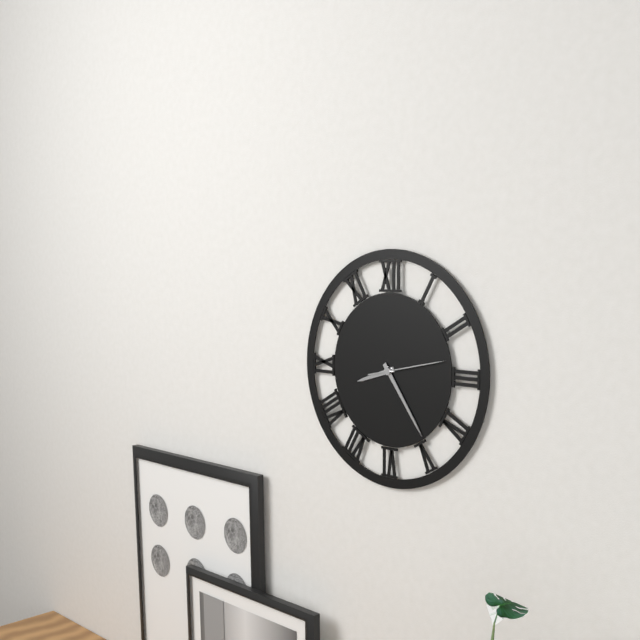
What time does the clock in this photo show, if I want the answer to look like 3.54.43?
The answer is 8.24.13
